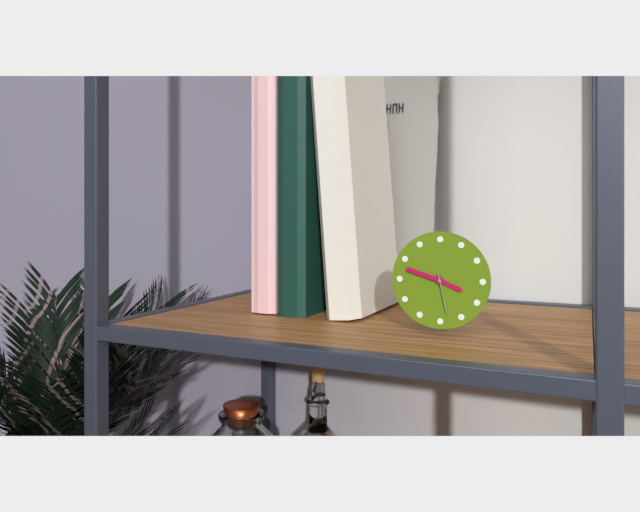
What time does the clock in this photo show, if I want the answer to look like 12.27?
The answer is 3.48
